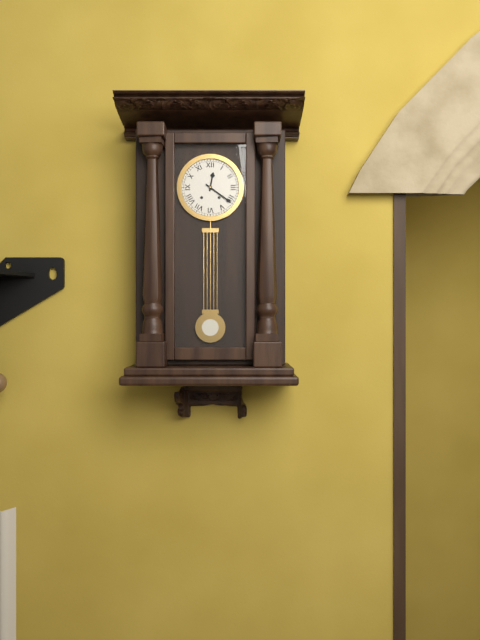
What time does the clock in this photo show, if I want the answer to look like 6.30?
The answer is 12.21
